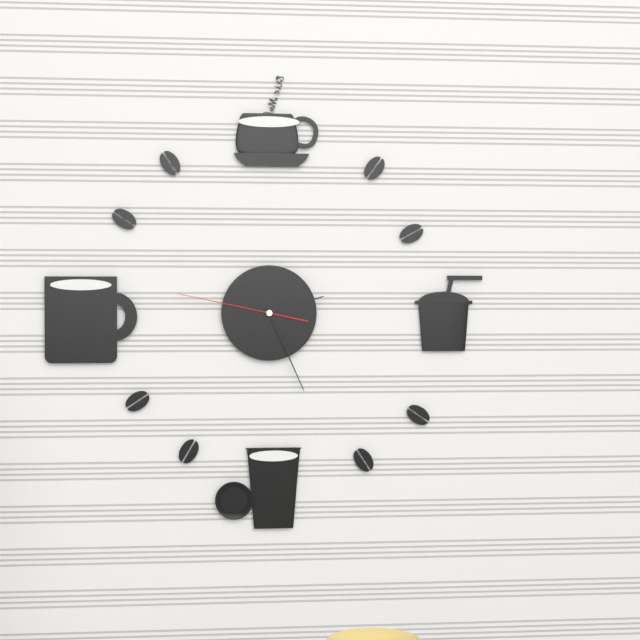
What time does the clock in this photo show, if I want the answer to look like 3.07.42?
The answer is 2.26.47
